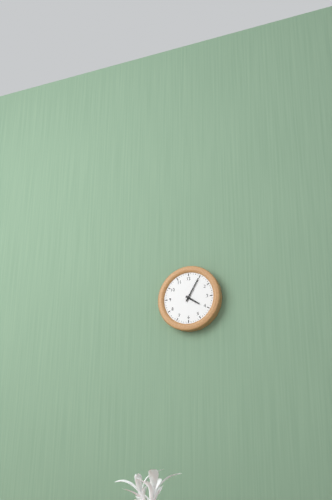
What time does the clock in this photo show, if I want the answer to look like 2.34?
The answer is 4.05
